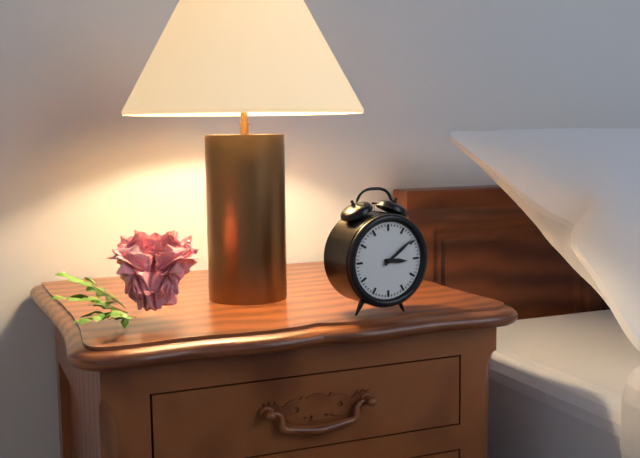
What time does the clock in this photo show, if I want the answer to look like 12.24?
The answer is 3.09
